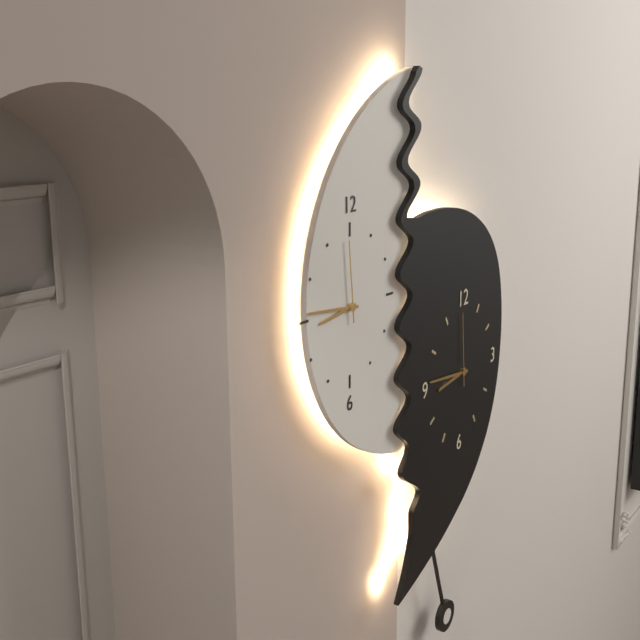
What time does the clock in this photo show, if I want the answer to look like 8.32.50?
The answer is 8.46.59
